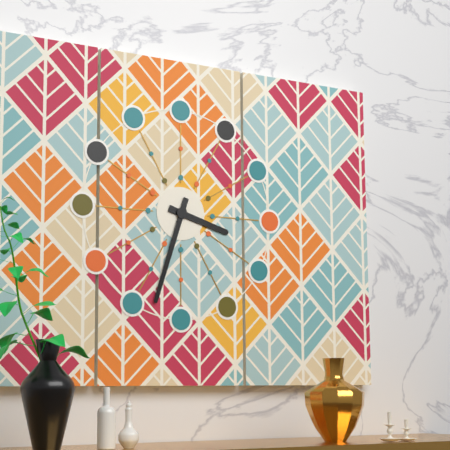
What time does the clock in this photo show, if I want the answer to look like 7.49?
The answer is 3.33
